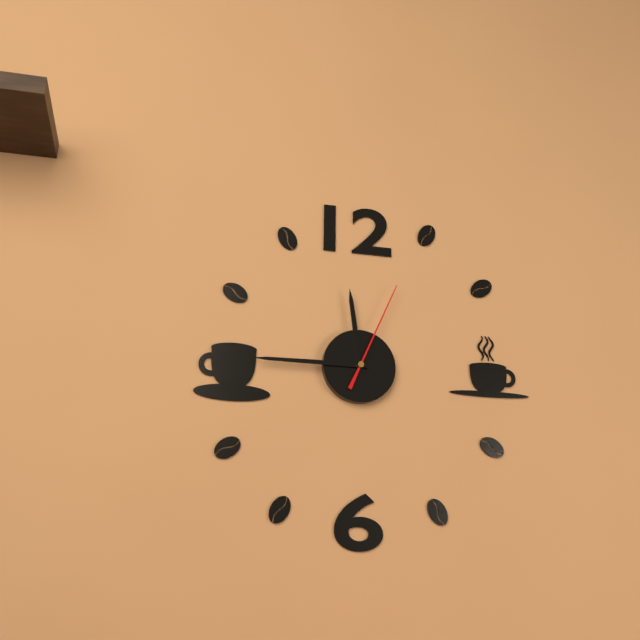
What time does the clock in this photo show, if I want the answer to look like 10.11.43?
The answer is 11.45.04
